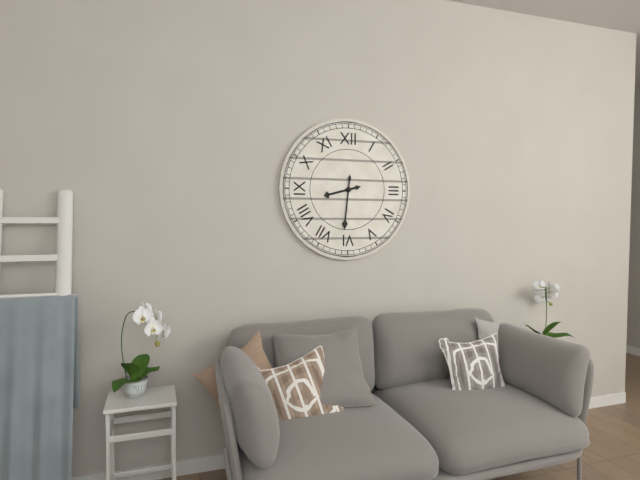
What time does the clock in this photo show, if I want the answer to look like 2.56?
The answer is 8.31
